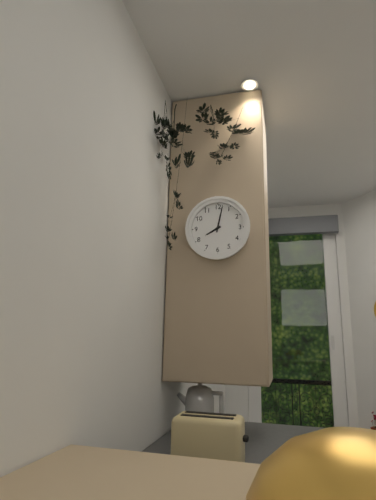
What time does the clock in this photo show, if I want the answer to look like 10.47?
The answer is 8.02
